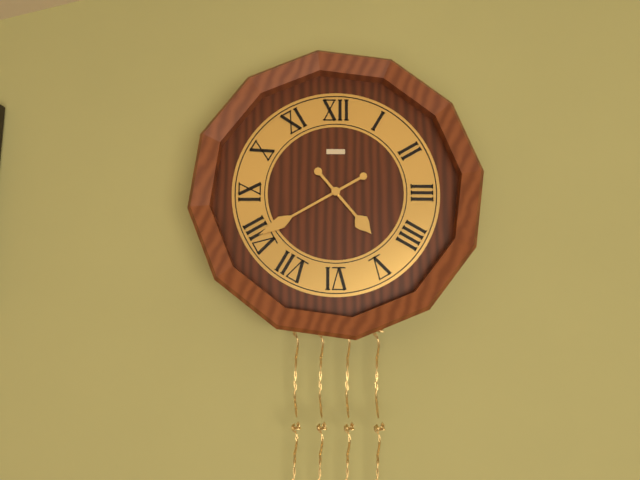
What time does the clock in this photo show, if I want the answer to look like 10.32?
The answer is 4.40
